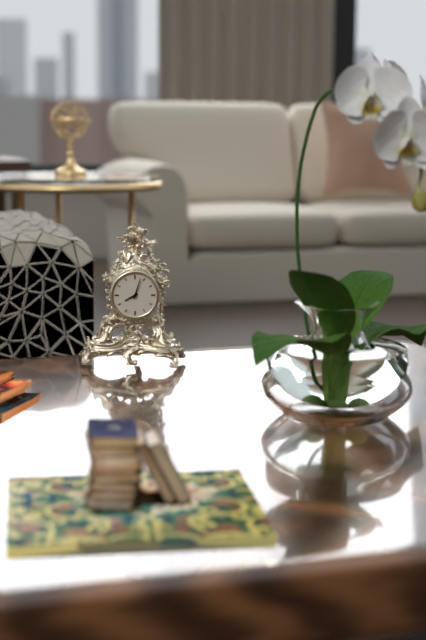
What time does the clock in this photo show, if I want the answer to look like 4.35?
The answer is 8.03
